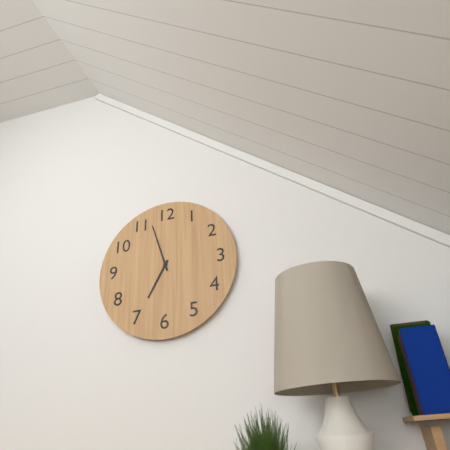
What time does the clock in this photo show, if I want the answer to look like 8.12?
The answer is 6.57
